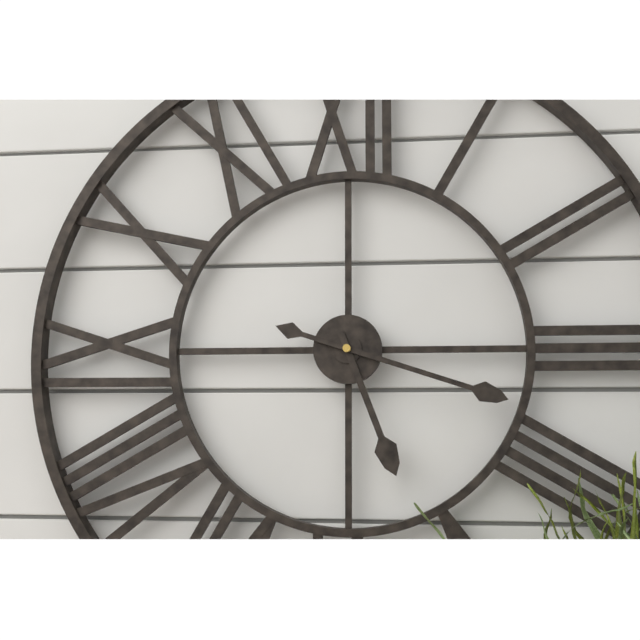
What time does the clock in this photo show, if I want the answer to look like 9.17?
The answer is 5.18
